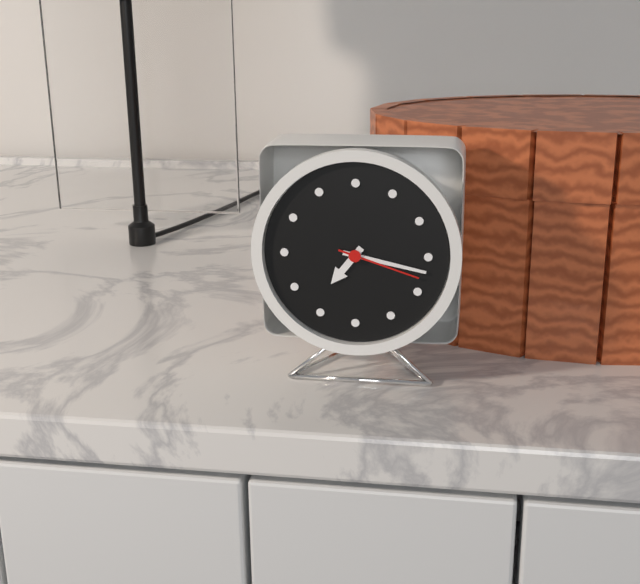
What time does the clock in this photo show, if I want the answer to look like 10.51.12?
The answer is 7.17.18
